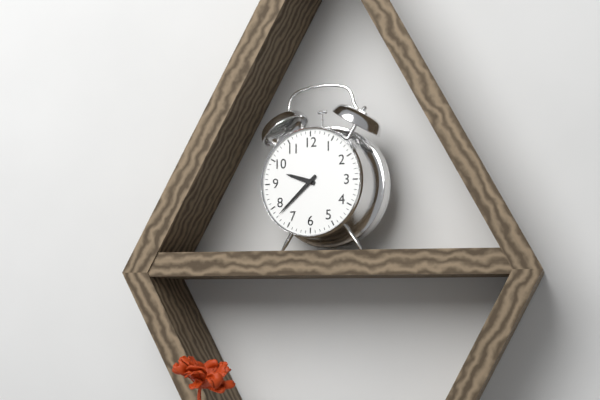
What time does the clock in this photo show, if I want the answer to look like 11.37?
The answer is 9.38
